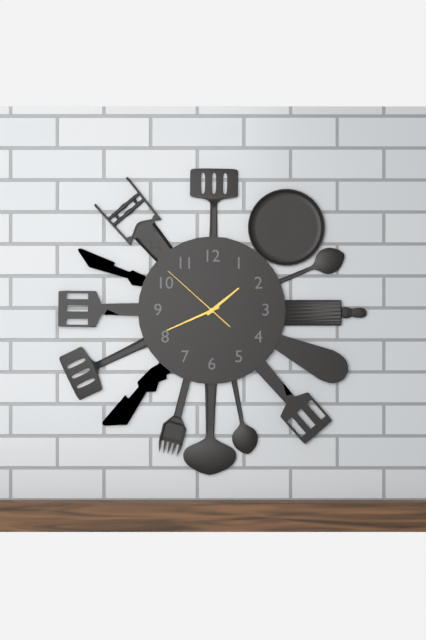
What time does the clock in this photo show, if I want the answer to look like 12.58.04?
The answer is 1.41.52
